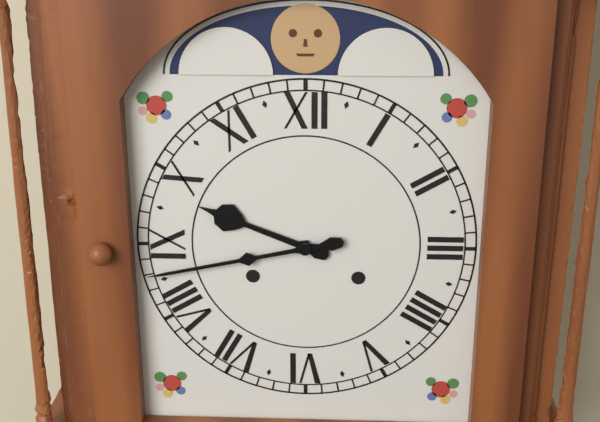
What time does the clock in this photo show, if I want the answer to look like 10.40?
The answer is 9.43
